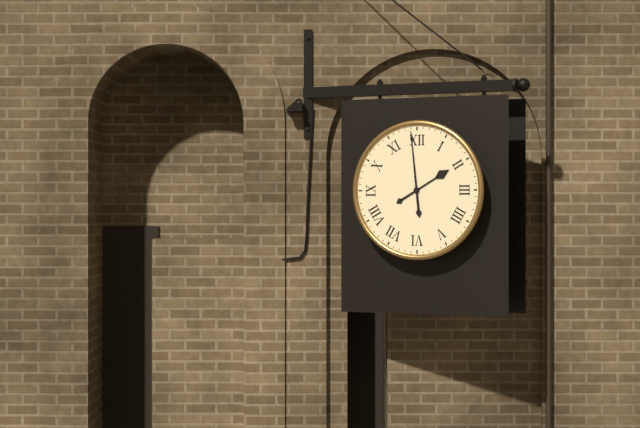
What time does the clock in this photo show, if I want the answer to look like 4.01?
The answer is 1.59
